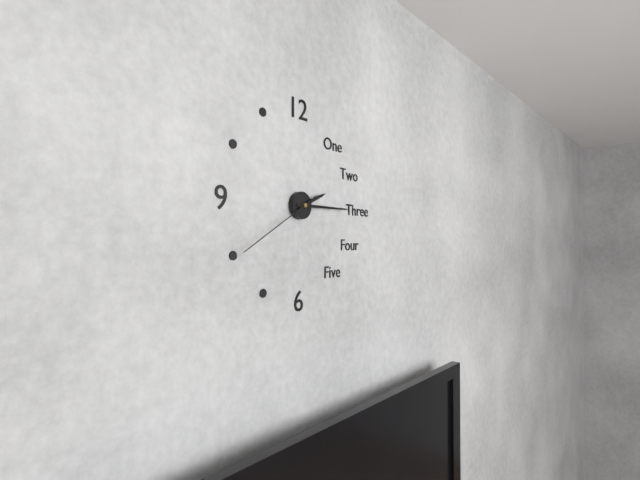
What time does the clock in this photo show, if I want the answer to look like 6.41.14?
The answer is 2.15.40
